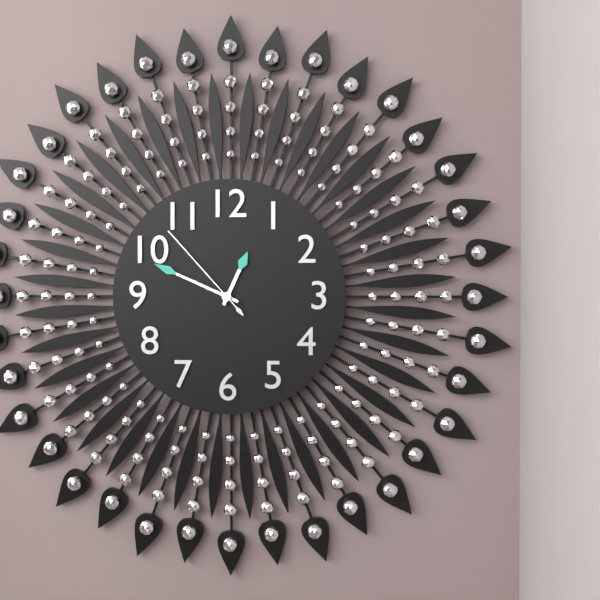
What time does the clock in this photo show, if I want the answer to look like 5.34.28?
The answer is 12.49.53
